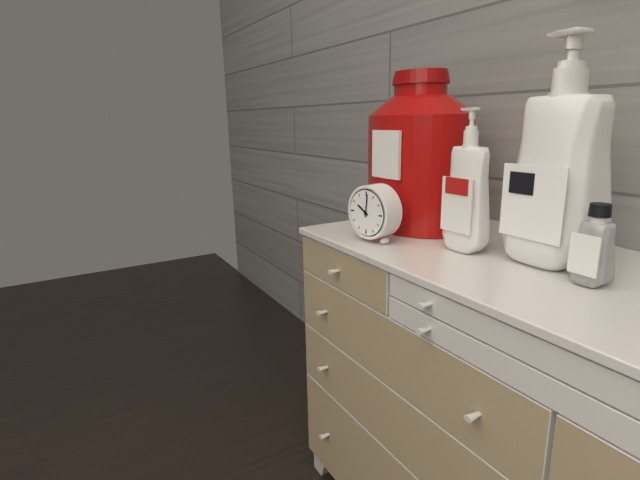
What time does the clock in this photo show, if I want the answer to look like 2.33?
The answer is 10.01
